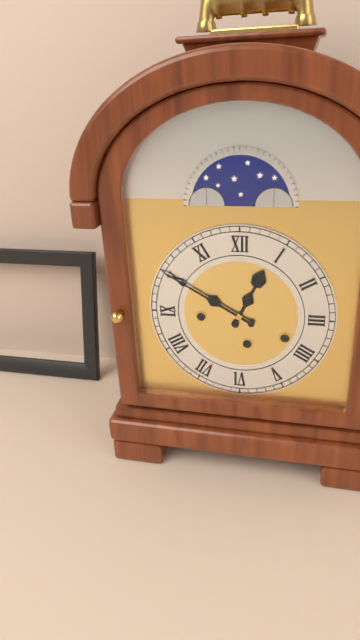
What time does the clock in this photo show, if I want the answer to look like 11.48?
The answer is 12.50
